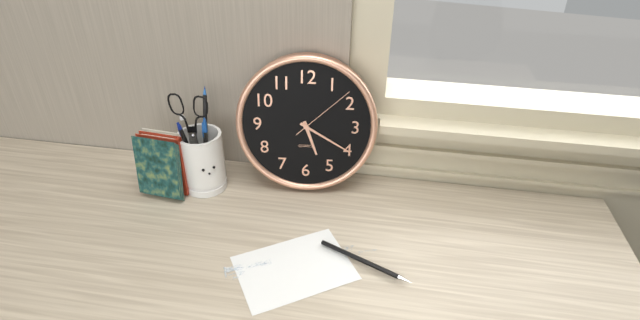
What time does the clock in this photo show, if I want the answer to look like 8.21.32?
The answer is 5.20.08
